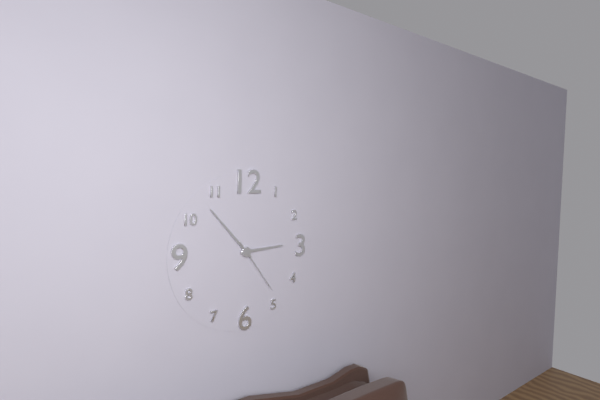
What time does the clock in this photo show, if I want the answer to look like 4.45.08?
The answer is 2.53.24
